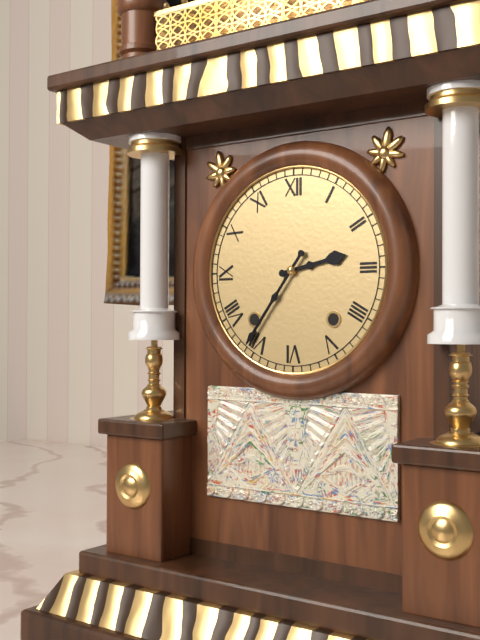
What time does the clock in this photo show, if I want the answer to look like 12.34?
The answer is 2.36
